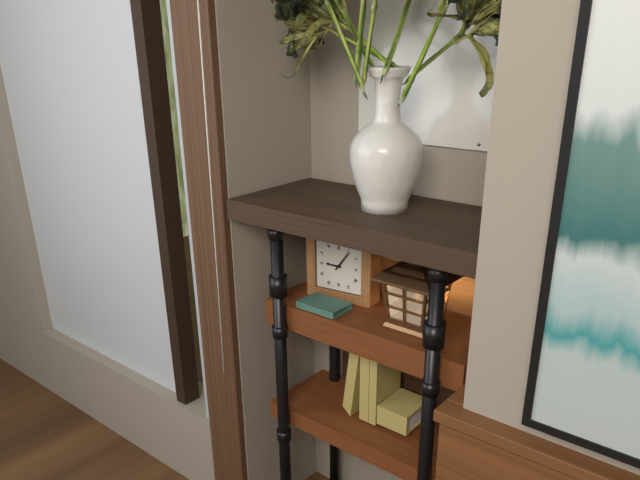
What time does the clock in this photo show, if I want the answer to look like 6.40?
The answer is 9.06
